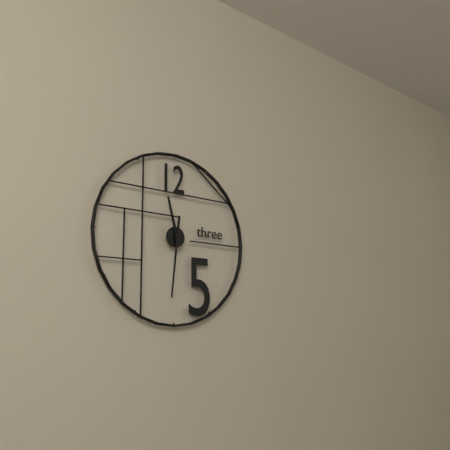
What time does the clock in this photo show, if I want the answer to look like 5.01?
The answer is 11.31
